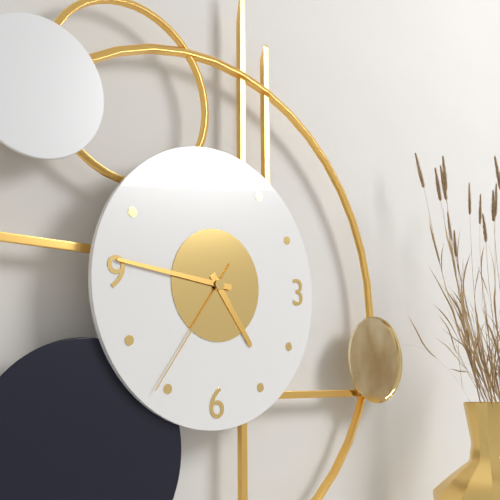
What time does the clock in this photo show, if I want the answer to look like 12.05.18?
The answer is 4.46.36
